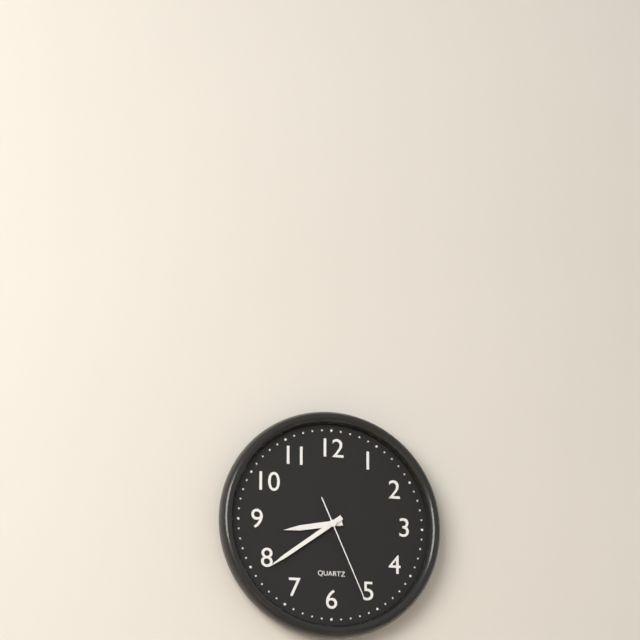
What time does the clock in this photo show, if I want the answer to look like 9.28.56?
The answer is 8.39.26
